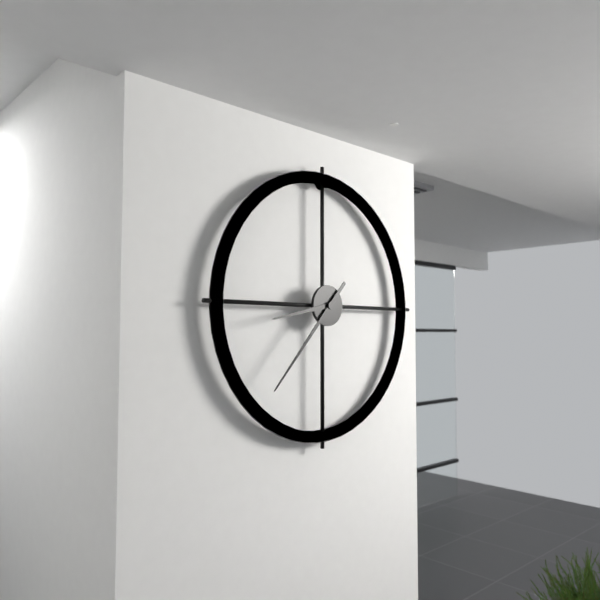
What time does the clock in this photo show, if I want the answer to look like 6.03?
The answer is 8.37
